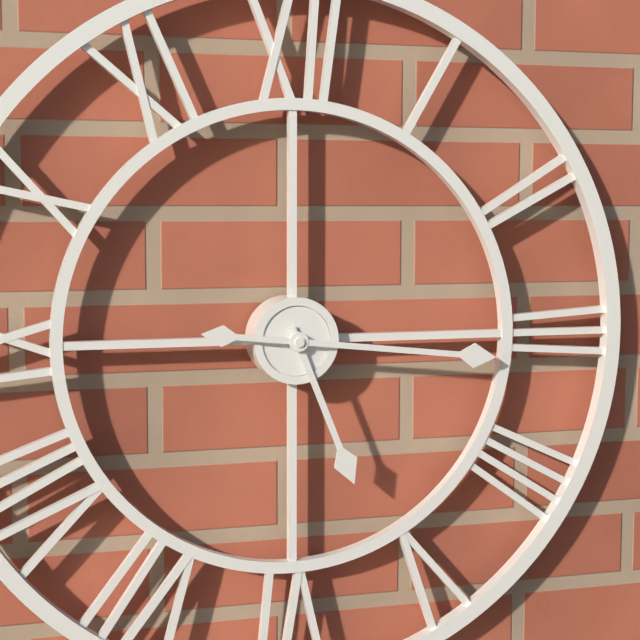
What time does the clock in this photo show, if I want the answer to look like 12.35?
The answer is 5.16
